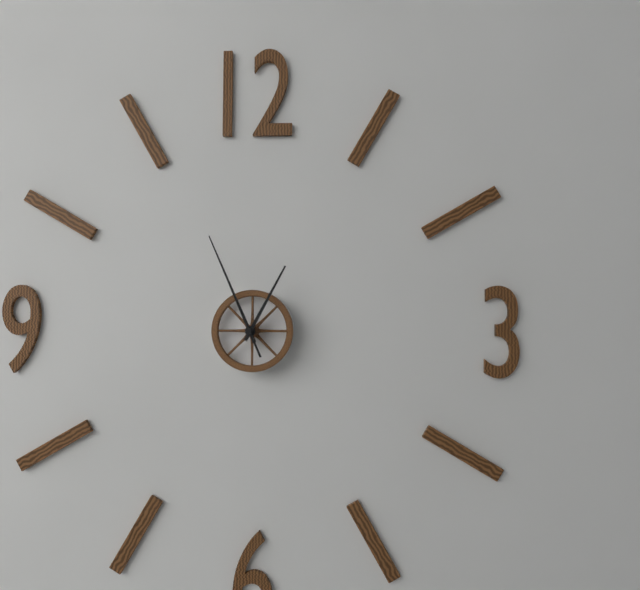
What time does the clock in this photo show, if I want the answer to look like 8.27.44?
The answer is 12.56.56
